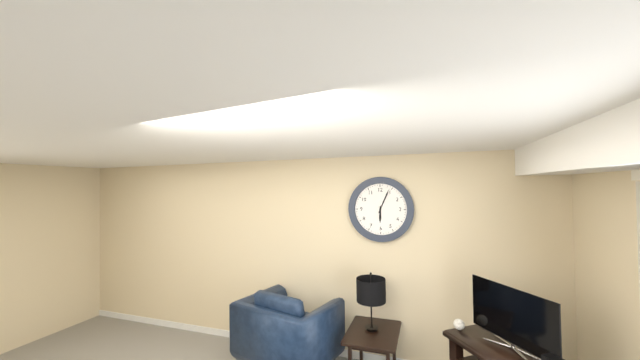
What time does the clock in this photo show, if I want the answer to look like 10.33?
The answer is 6.04
